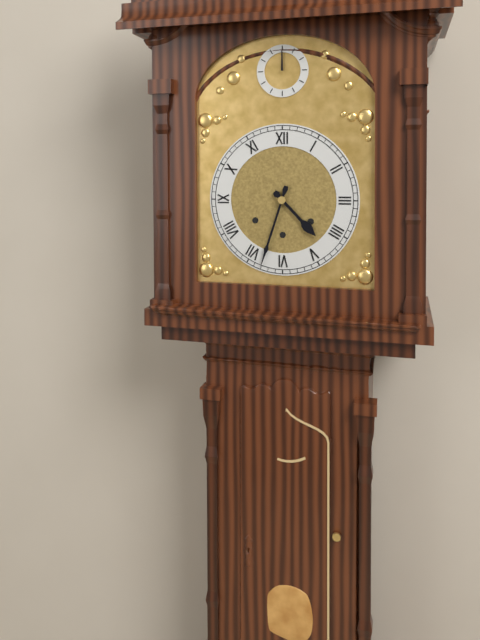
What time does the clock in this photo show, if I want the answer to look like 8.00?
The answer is 4.33
